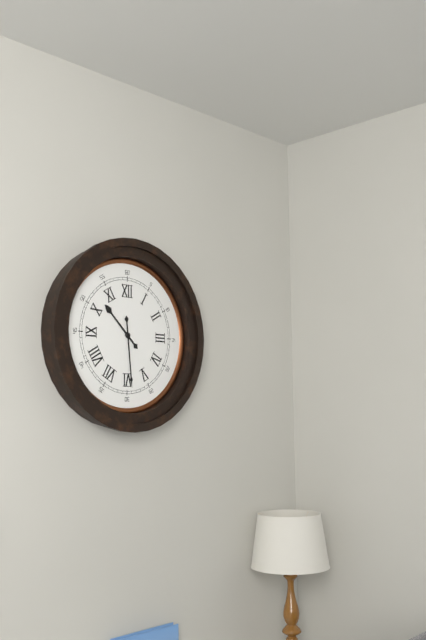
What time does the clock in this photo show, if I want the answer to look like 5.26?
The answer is 10.29
